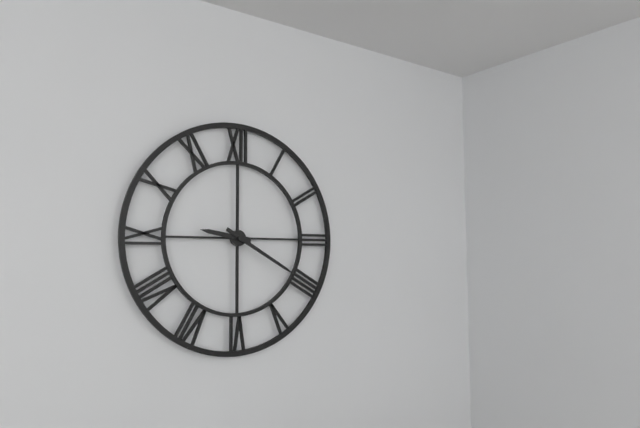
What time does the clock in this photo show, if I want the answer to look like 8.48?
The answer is 9.20
